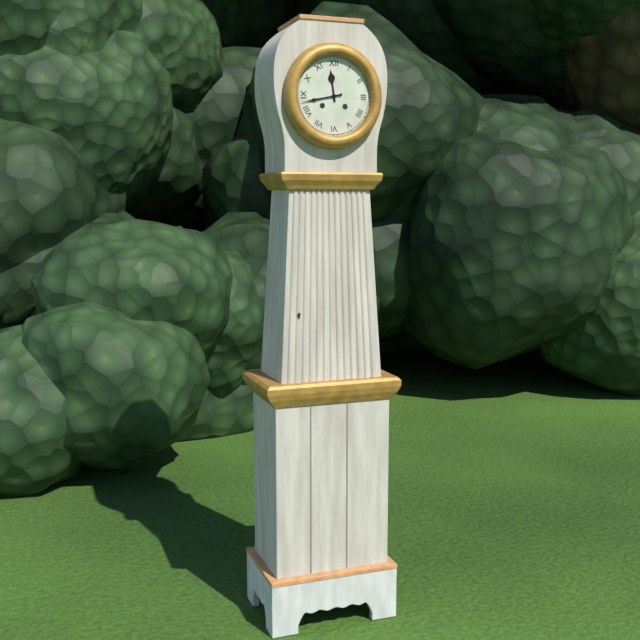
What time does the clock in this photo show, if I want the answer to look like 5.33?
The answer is 11.43
